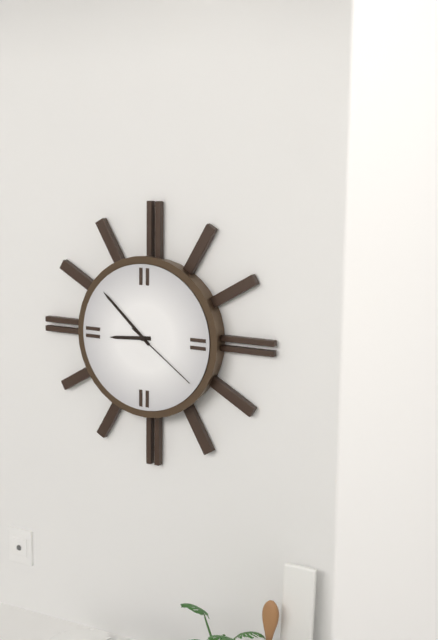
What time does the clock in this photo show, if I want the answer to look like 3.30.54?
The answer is 8.52.21
